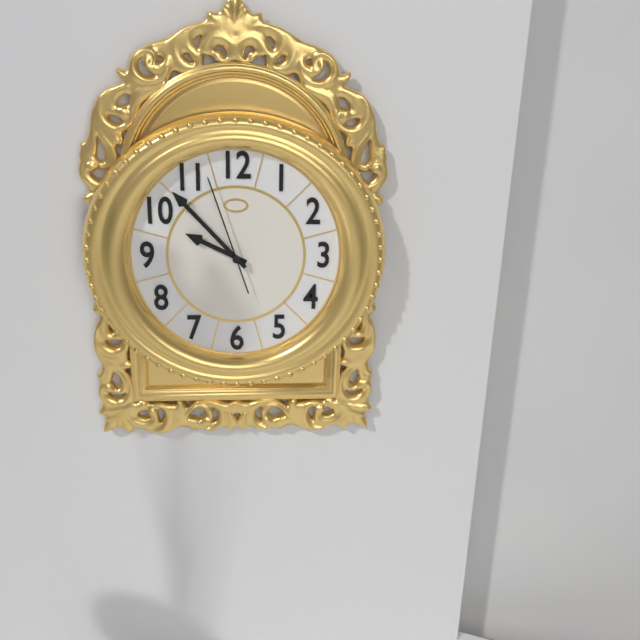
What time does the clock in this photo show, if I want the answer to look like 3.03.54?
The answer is 9.53.57
